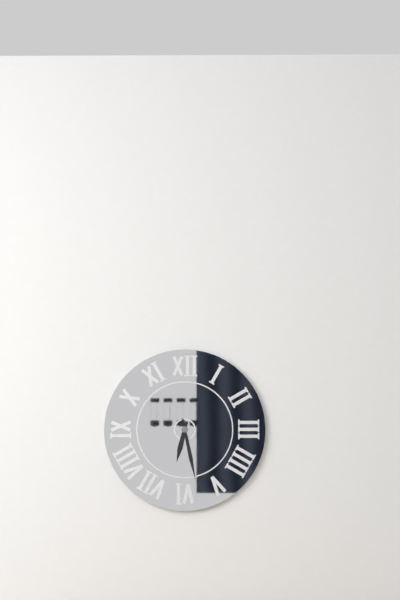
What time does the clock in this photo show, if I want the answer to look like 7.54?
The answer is 6.28
